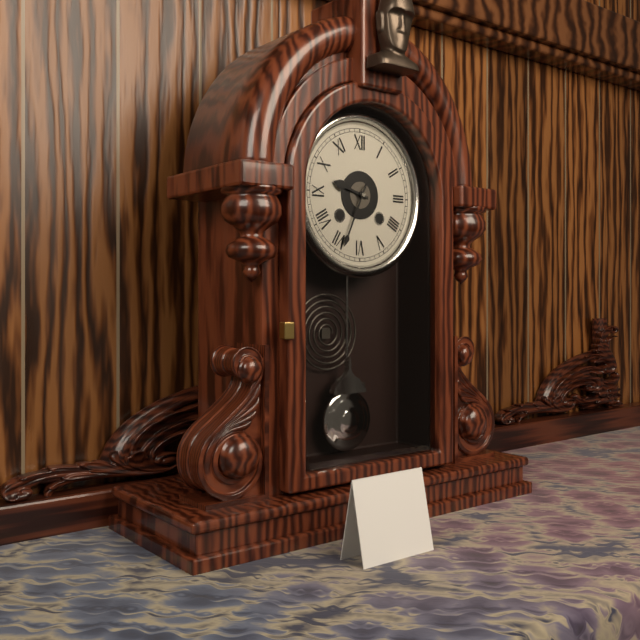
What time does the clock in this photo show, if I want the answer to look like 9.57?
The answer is 9.34
